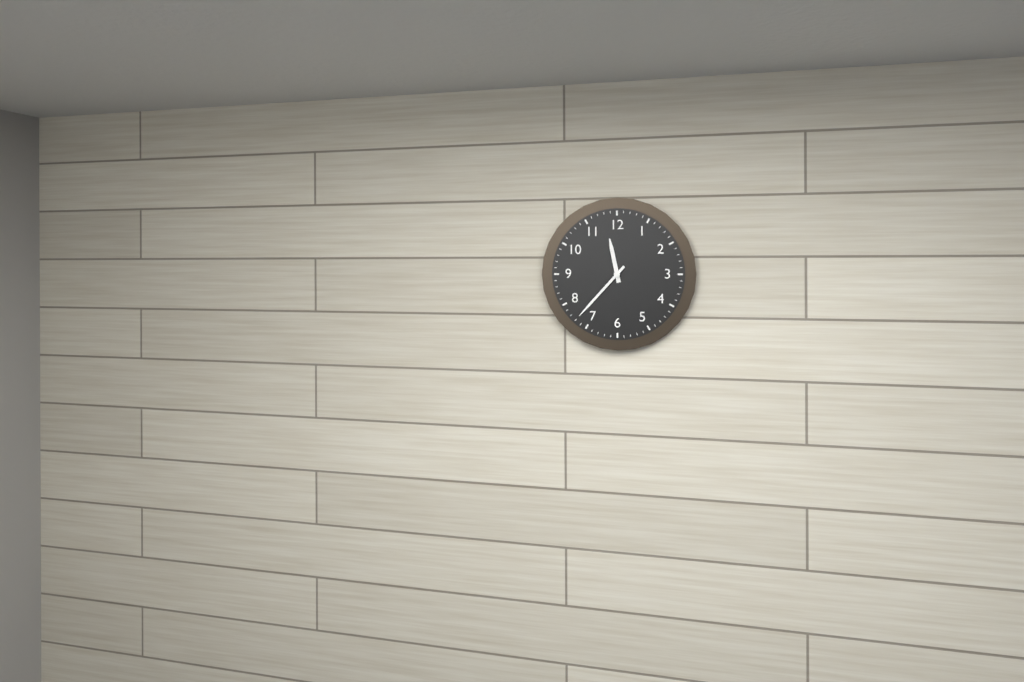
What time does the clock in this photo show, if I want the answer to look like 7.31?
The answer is 11.37
